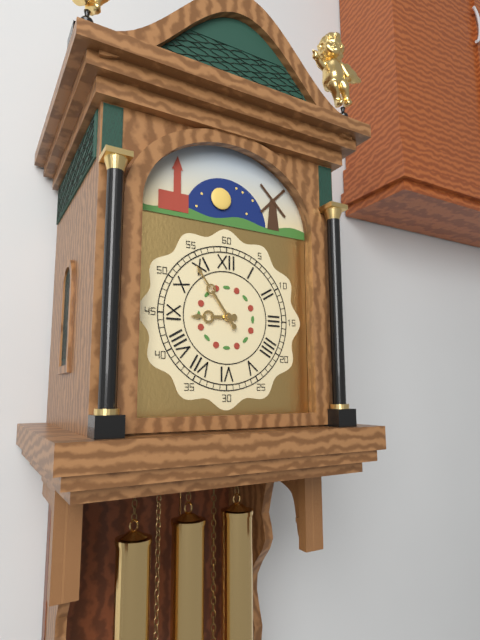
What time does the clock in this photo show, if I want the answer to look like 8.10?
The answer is 8.54
